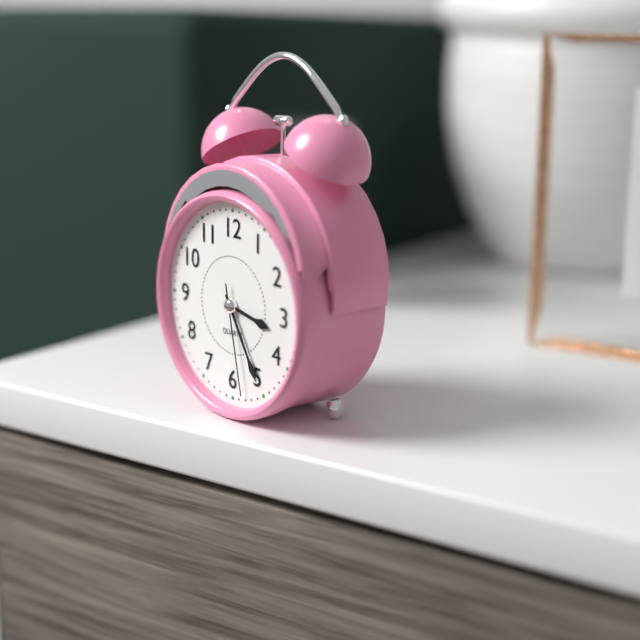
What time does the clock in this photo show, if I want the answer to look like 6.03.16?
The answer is 3.25.28
